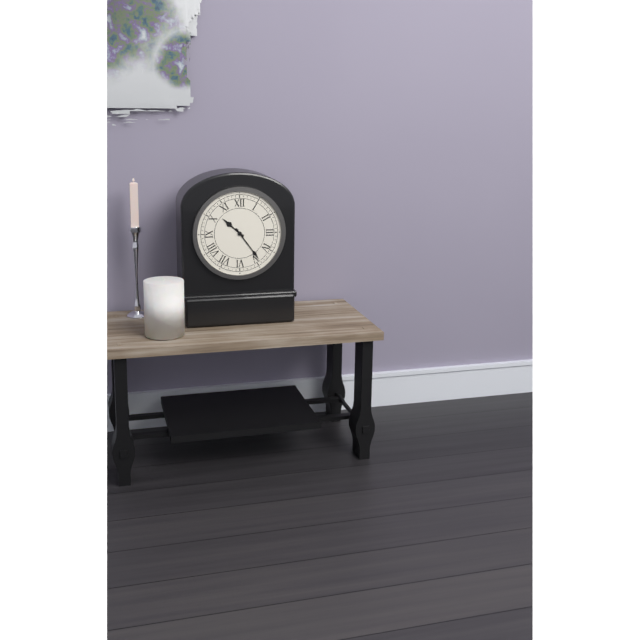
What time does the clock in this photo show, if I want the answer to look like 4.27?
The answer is 10.24
